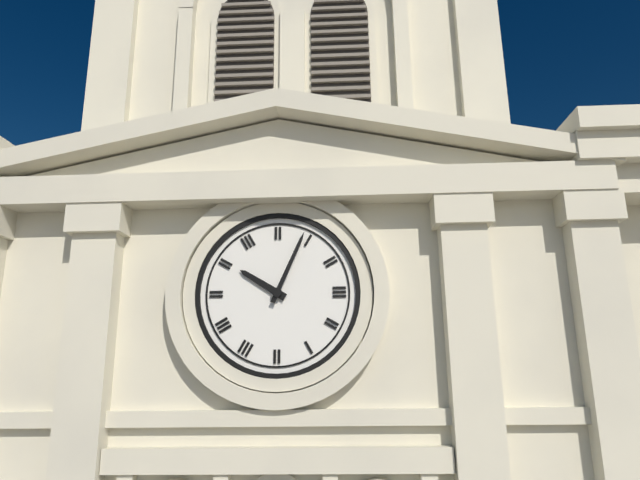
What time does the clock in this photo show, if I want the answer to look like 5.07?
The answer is 10.04
